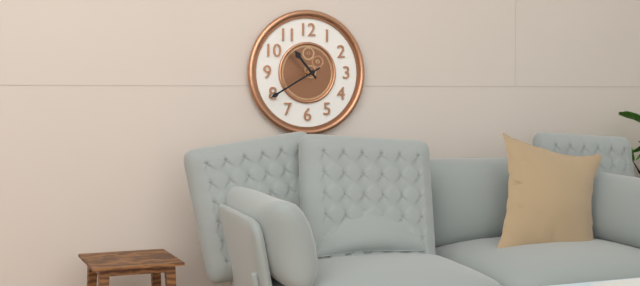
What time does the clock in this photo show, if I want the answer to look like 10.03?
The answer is 10.40
